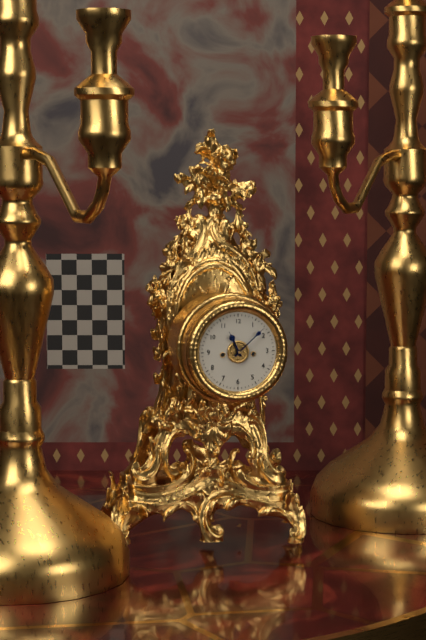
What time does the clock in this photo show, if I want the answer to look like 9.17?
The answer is 11.08
